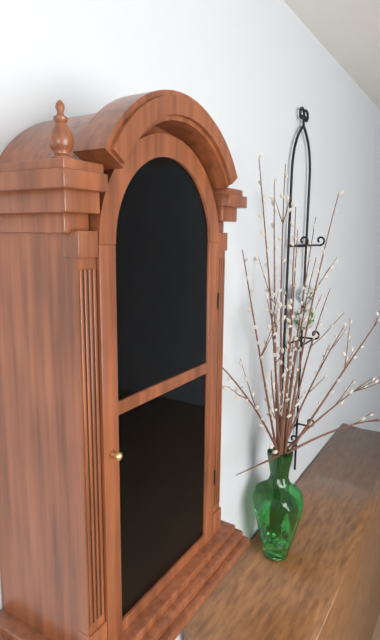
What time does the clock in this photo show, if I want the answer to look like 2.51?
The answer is 6.30
